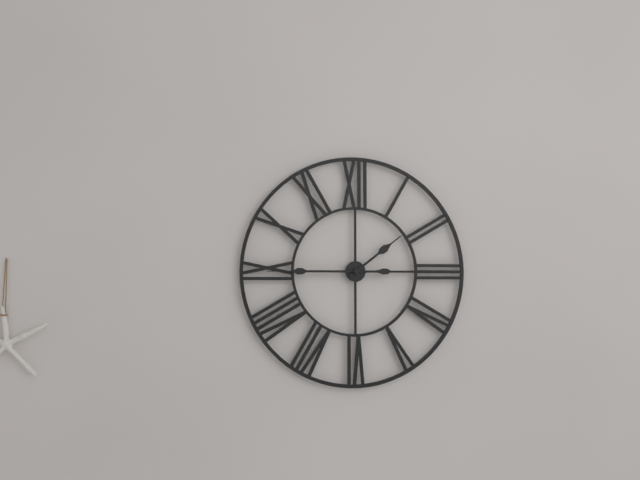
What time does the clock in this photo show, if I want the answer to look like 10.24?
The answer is 1.45
